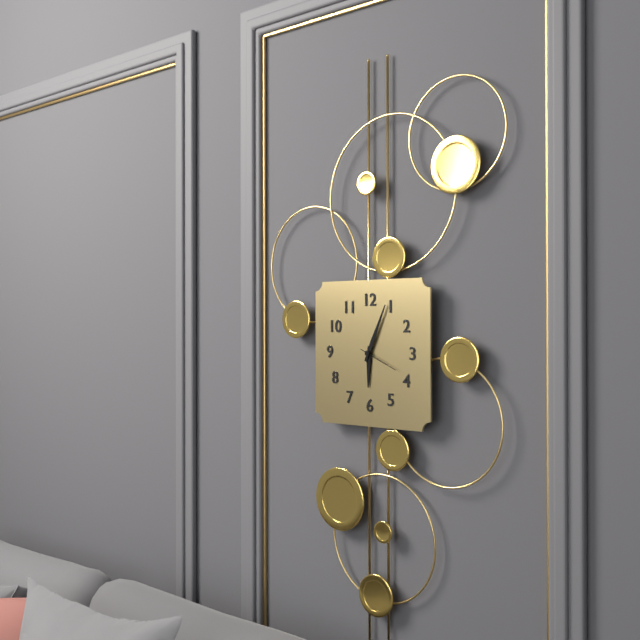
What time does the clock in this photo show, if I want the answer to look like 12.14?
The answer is 6.04
